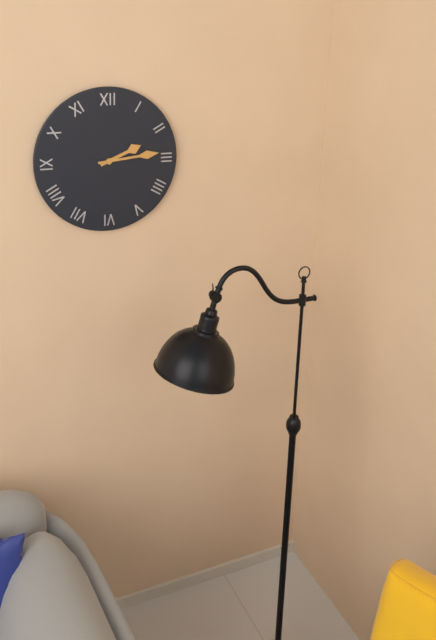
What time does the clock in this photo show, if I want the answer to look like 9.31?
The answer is 2.14
